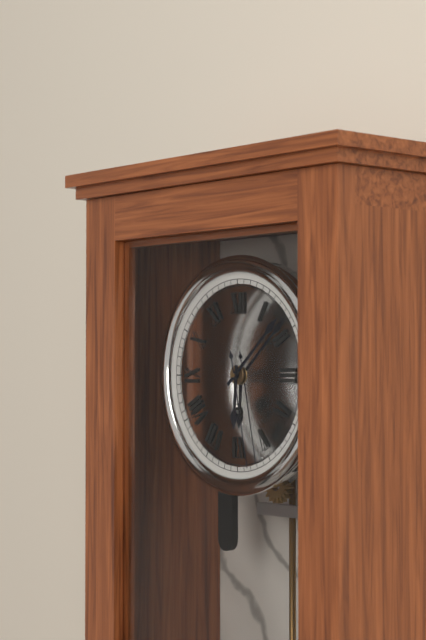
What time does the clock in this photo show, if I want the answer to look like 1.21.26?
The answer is 6.08.28
